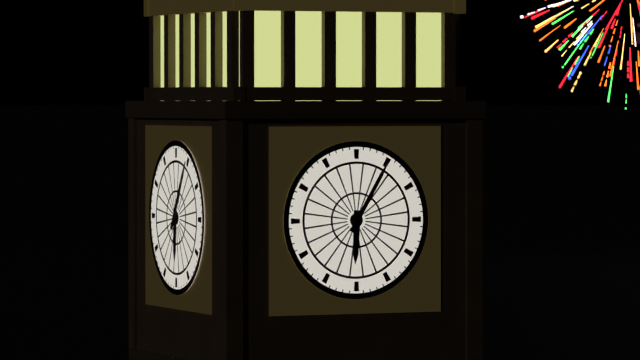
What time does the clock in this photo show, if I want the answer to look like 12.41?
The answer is 6.05
